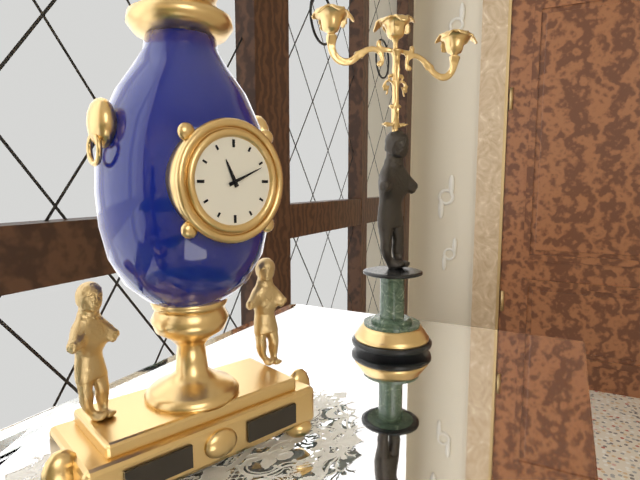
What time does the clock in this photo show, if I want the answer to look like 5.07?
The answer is 11.11
